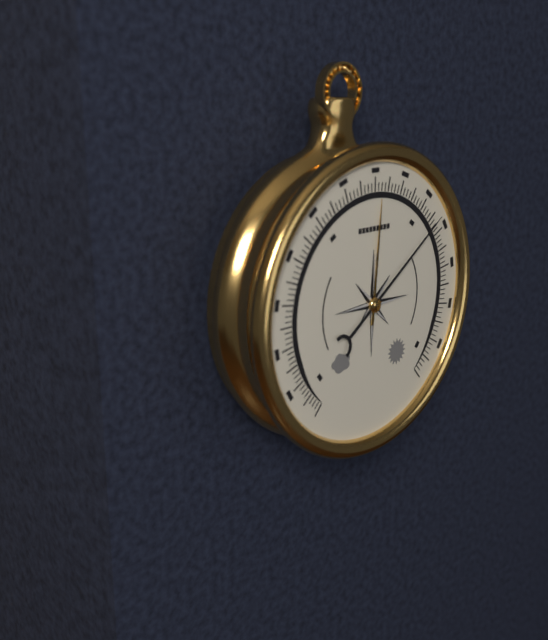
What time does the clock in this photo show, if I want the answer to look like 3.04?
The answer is 12.09
